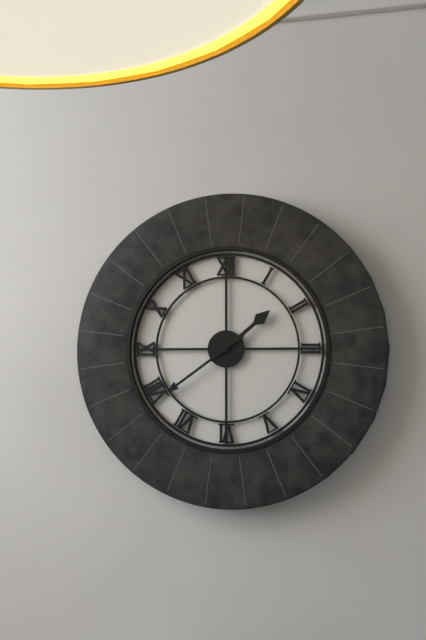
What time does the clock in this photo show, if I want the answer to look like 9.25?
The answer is 1.39
